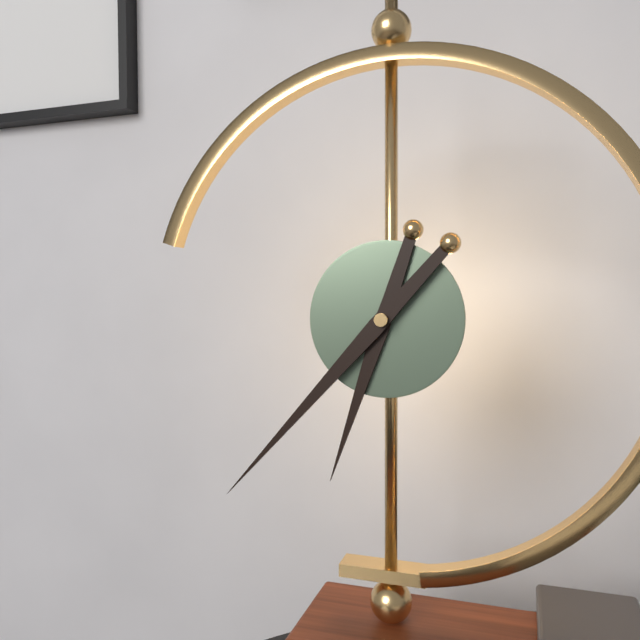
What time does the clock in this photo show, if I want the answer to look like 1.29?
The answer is 6.37
